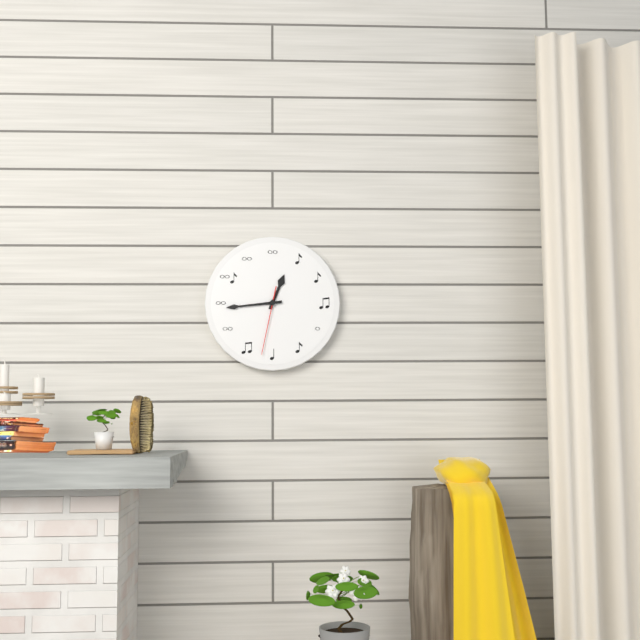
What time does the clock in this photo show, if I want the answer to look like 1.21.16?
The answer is 12.44.32
